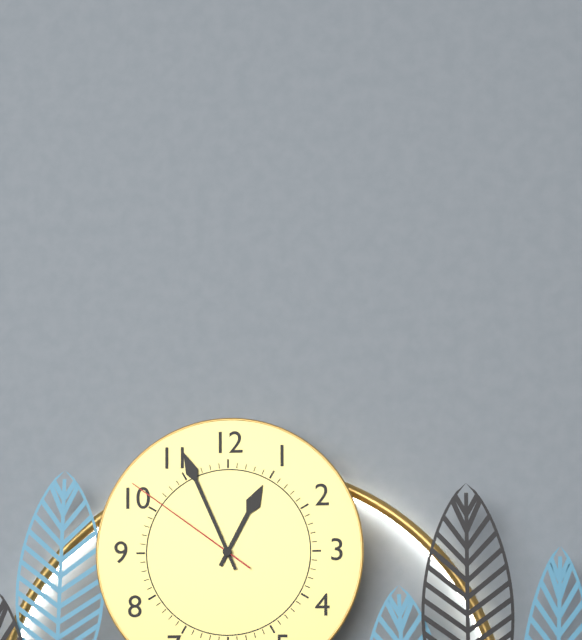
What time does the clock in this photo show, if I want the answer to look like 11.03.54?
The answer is 12.56.51
